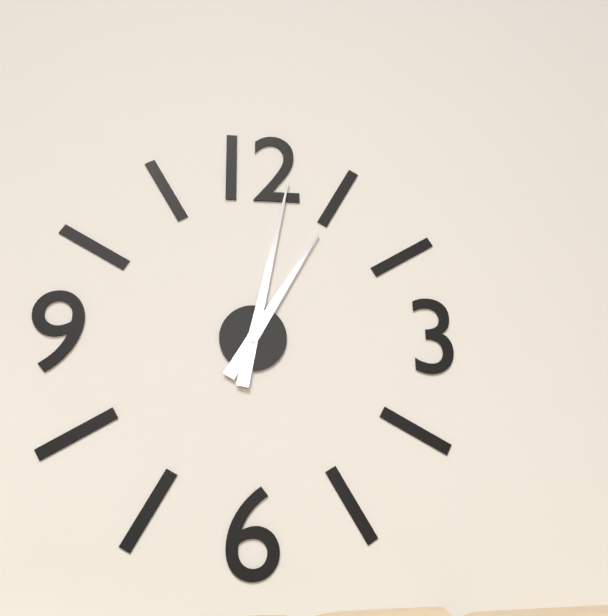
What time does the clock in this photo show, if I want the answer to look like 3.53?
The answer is 1.02
